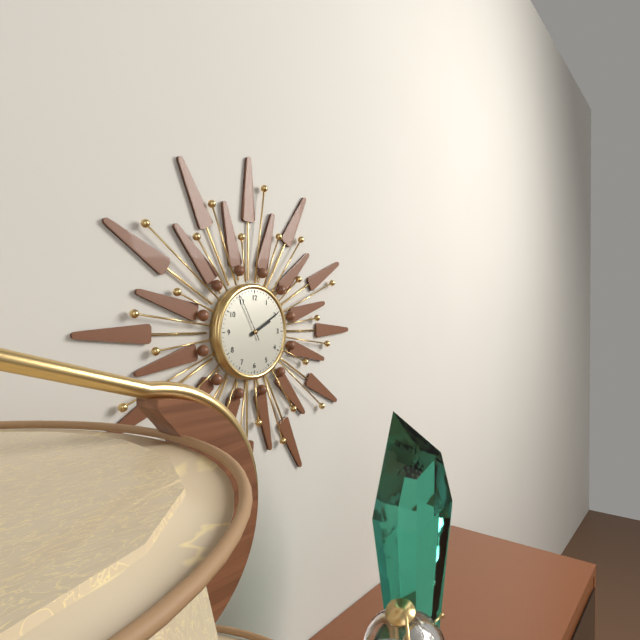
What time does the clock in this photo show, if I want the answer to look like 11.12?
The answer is 2.10
